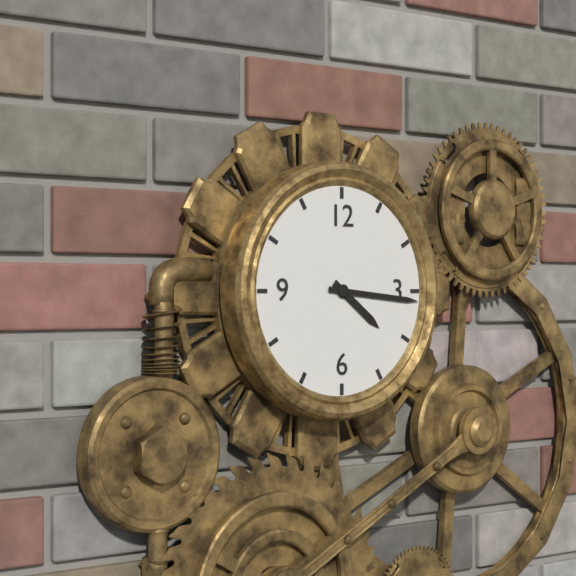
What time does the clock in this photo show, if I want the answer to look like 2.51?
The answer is 4.16
